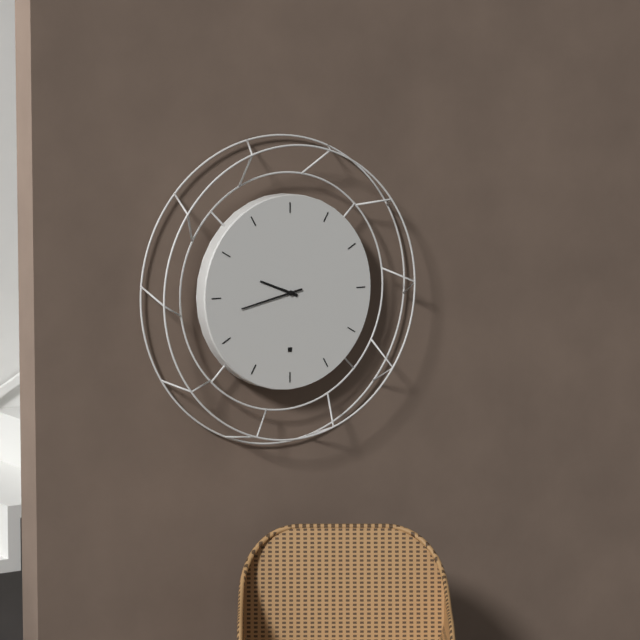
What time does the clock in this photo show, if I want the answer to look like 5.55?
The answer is 9.43
